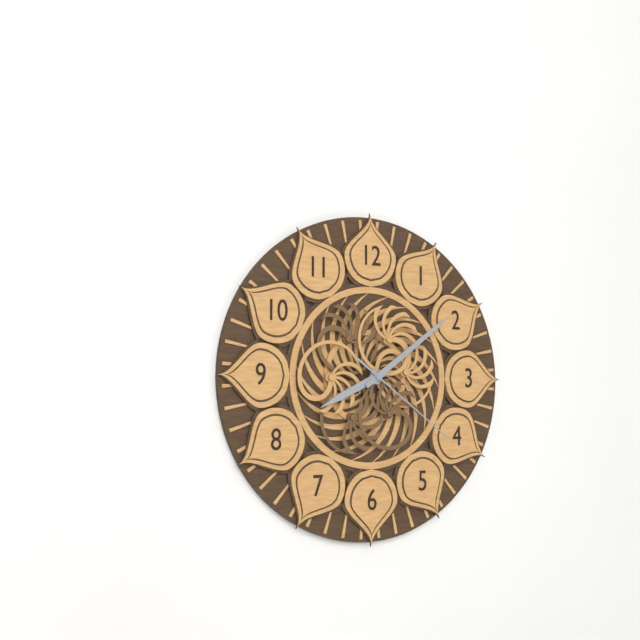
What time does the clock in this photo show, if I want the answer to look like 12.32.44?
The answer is 8.09.21
